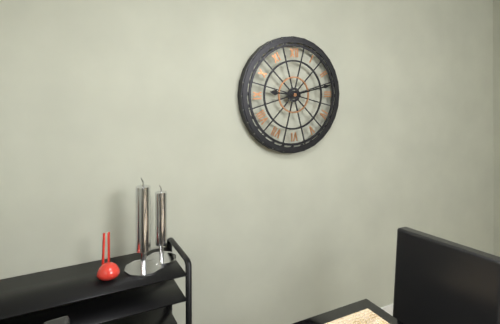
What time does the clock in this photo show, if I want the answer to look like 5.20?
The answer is 9.13
